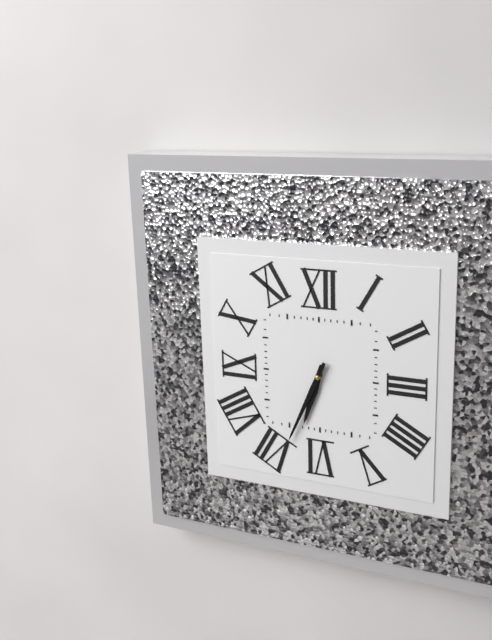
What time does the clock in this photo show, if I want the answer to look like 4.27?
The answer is 6.34
